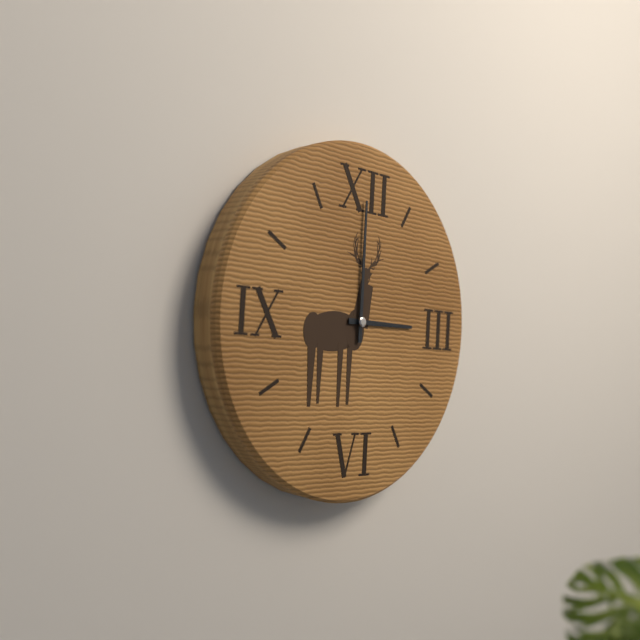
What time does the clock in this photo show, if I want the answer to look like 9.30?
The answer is 3.00
